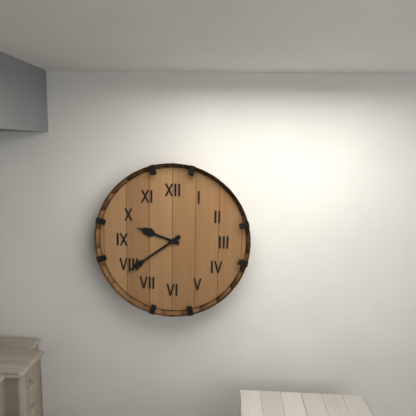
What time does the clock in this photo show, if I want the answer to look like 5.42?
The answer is 9.39
